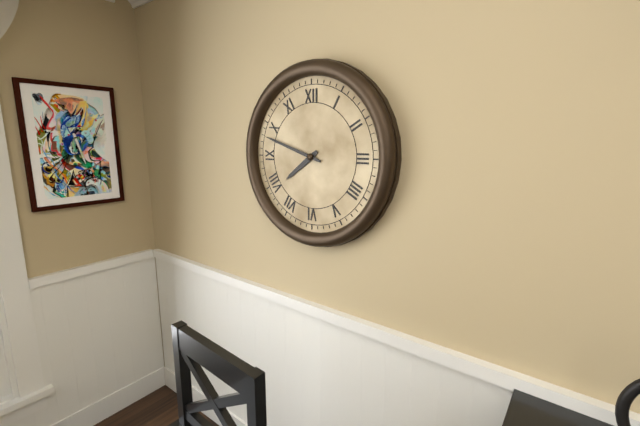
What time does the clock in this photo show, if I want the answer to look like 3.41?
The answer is 7.48
